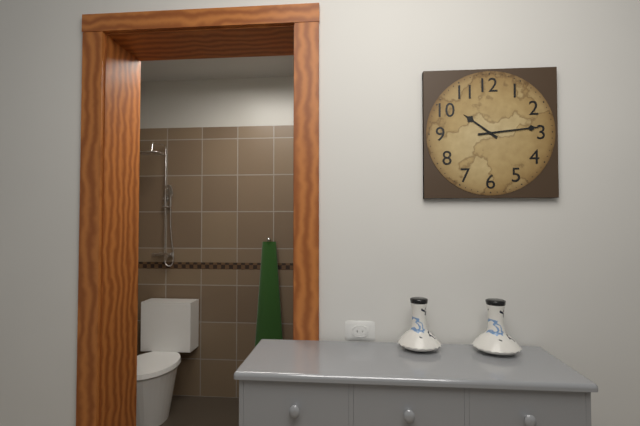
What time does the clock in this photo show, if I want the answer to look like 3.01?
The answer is 10.14
